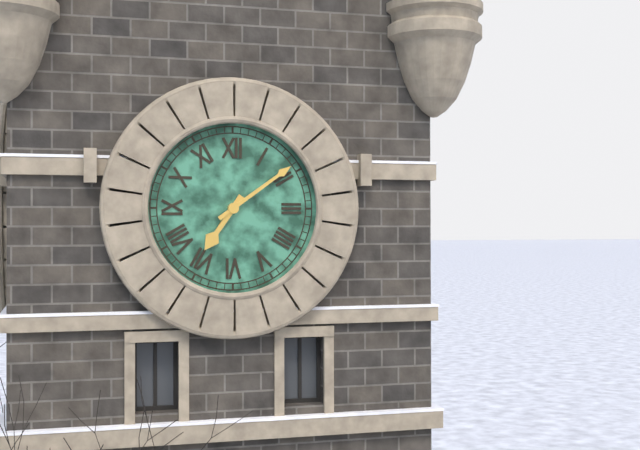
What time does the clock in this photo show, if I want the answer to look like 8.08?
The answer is 7.09
